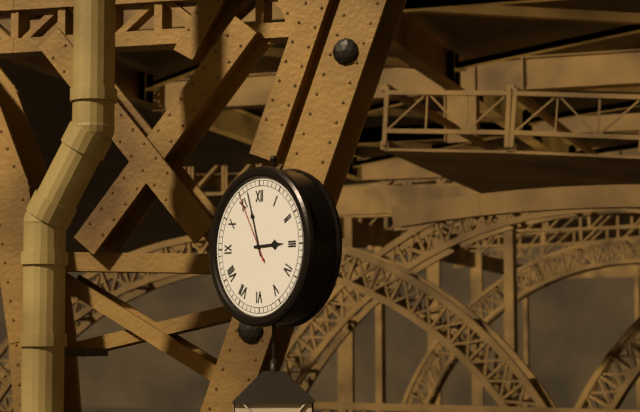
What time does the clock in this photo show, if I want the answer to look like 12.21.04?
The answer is 2.57.55
